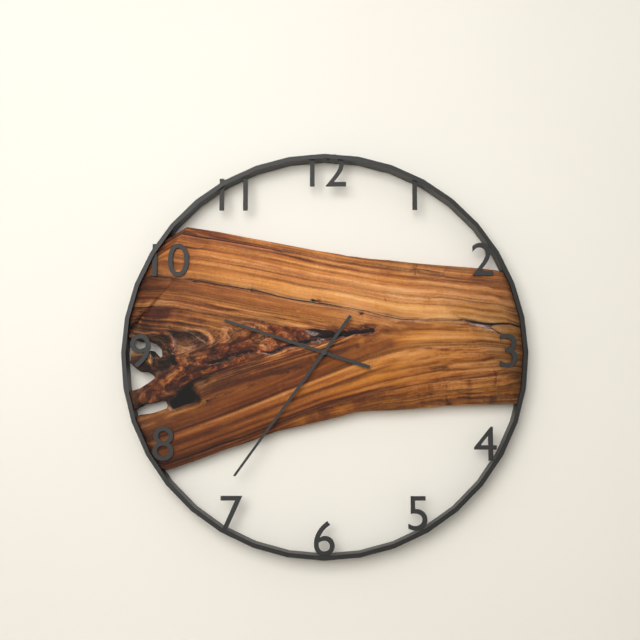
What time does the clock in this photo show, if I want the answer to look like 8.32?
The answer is 9.36
